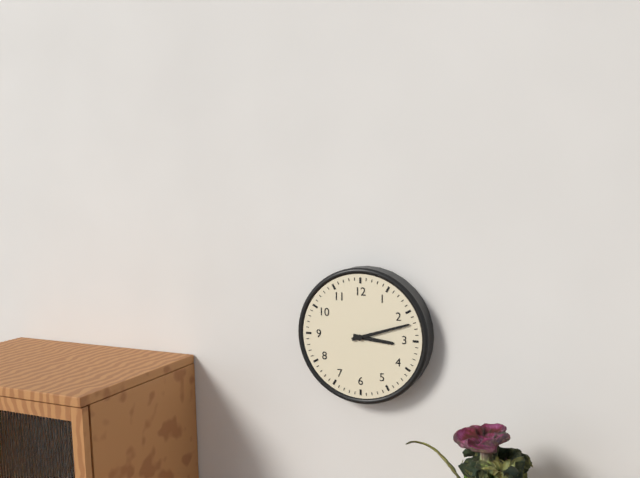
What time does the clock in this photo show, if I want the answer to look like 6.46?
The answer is 3.12
